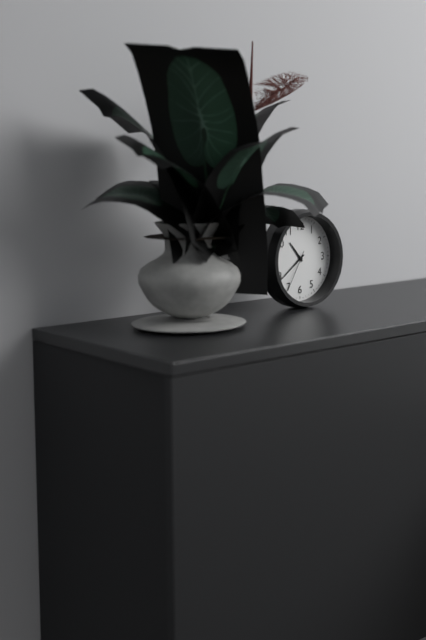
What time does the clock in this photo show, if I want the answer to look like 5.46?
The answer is 10.39
